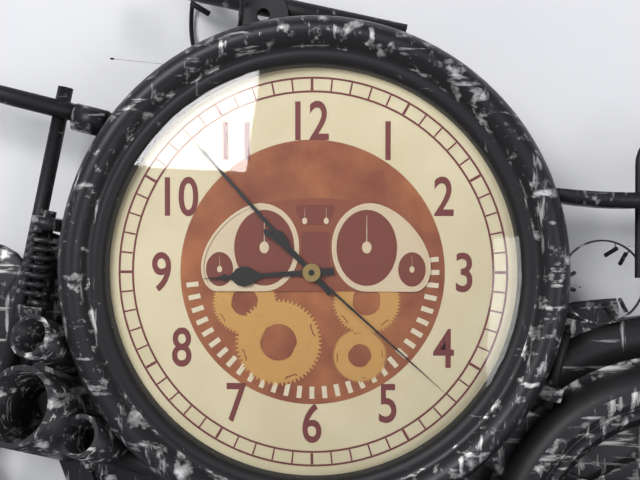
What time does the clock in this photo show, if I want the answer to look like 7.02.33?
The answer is 8.53.22
